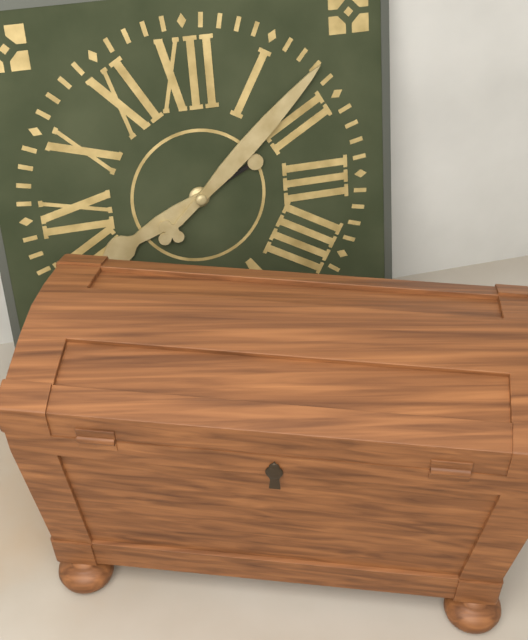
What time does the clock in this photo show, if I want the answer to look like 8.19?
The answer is 8.08
